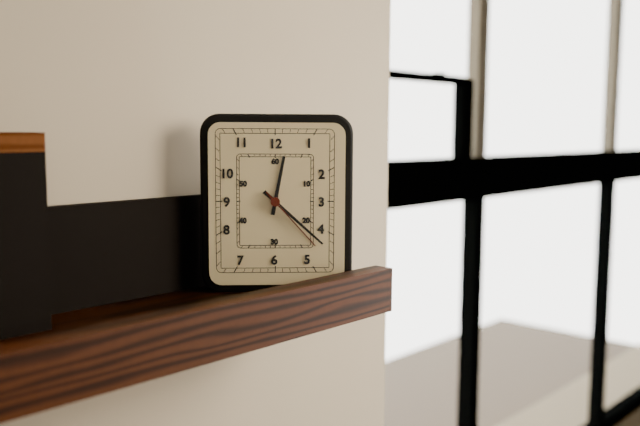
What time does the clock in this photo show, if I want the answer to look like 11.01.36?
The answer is 12.22.23
